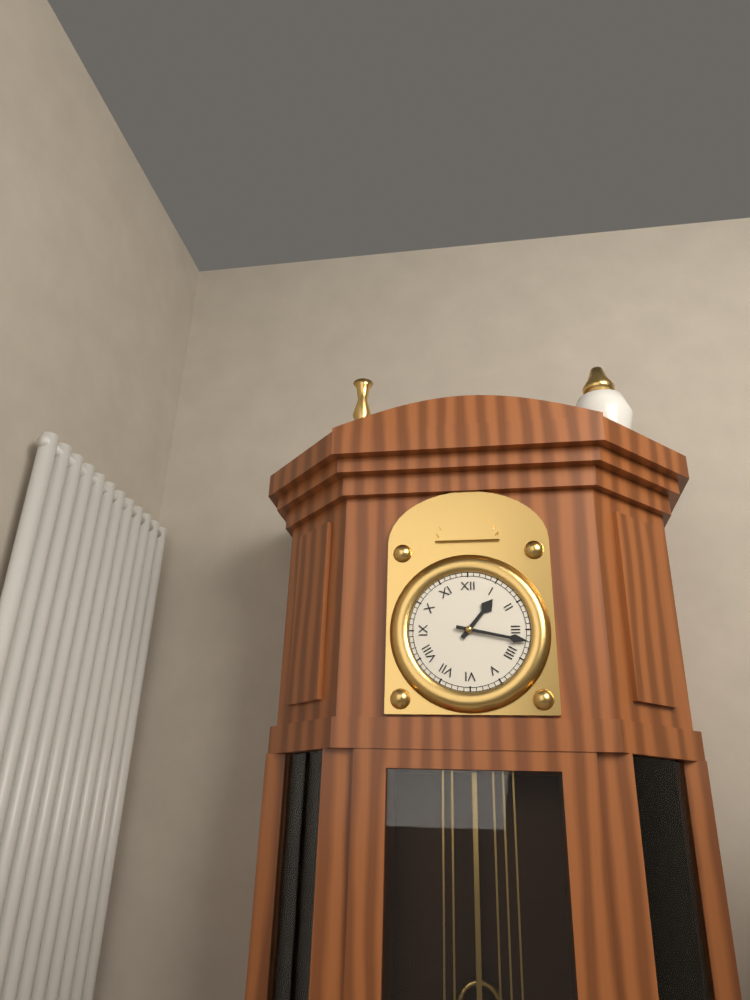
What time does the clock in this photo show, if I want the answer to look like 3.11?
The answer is 1.17
